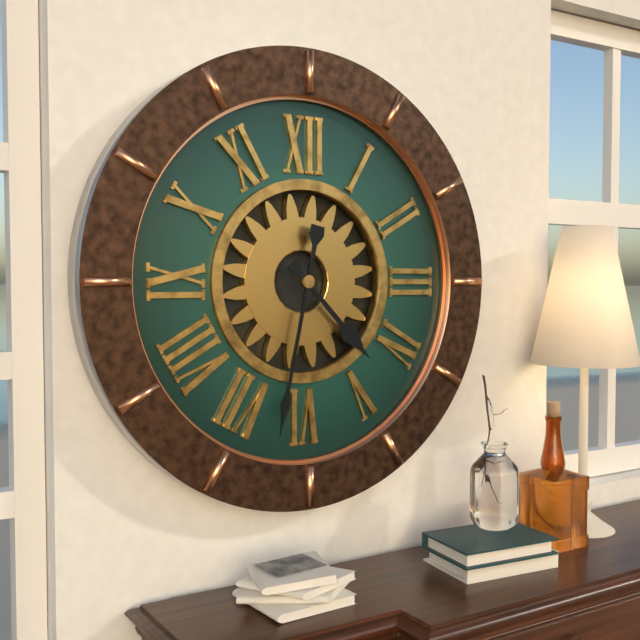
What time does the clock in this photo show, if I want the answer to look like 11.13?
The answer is 4.32
